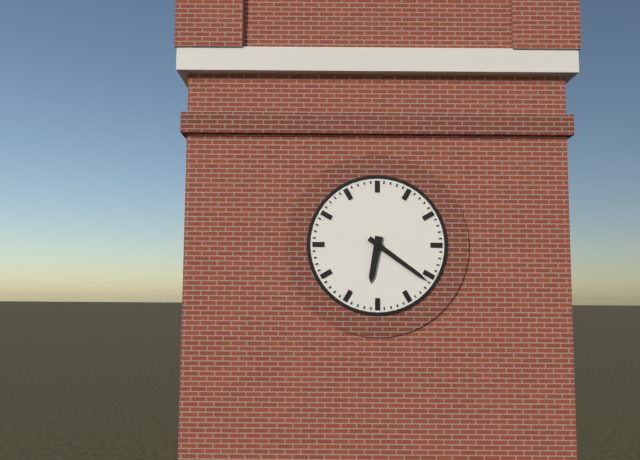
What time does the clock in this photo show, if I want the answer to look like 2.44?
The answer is 6.21
